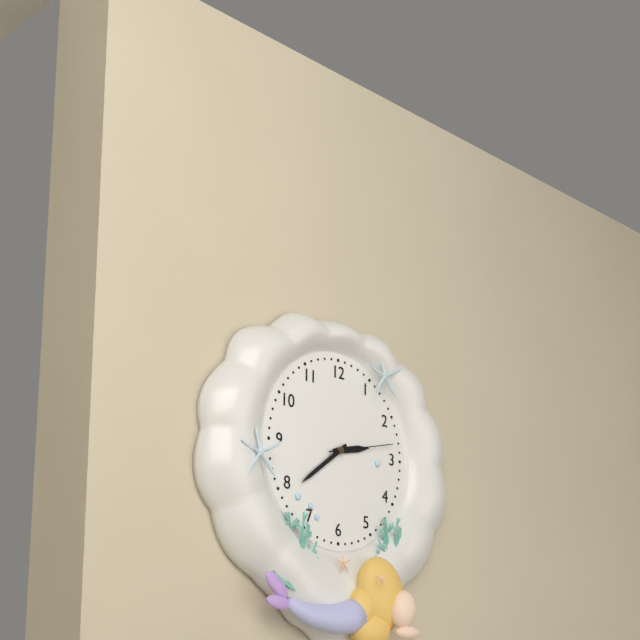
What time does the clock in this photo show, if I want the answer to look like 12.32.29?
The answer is 2.39.13
